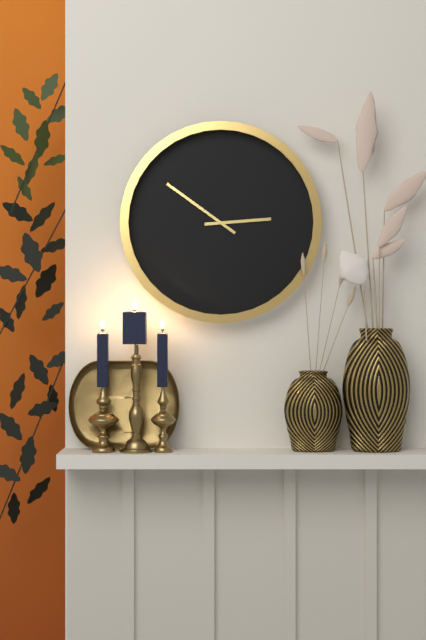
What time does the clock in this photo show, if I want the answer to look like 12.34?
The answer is 2.51
